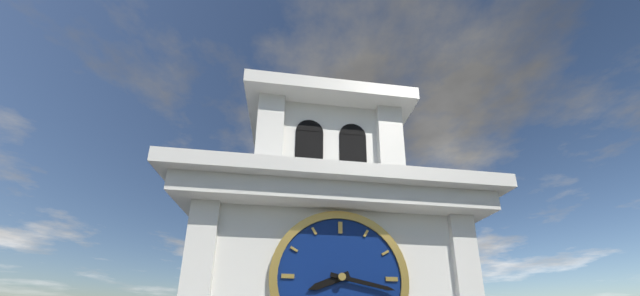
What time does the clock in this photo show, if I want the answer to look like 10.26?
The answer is 8.17
